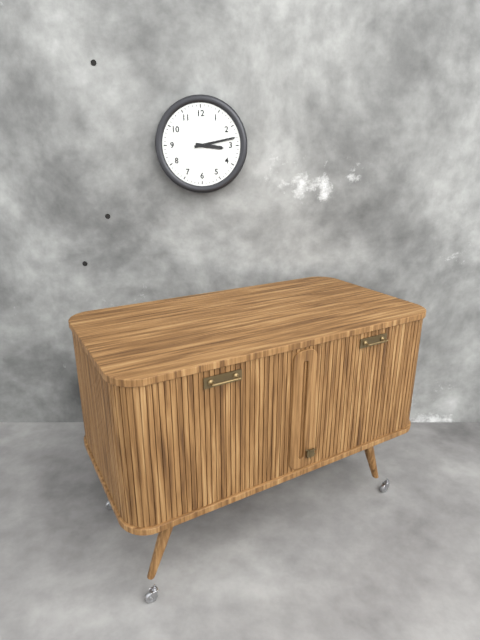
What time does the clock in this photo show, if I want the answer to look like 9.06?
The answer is 3.13
